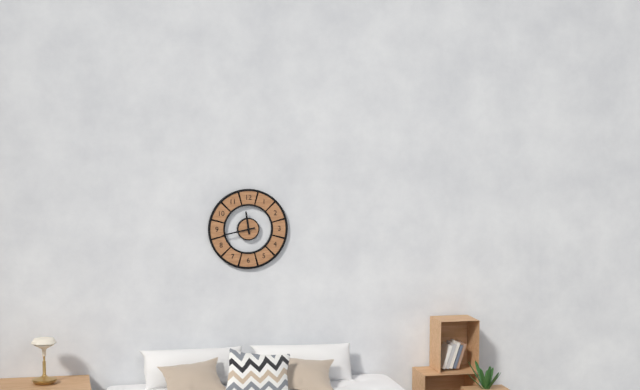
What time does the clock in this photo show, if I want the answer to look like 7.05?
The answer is 11.43
